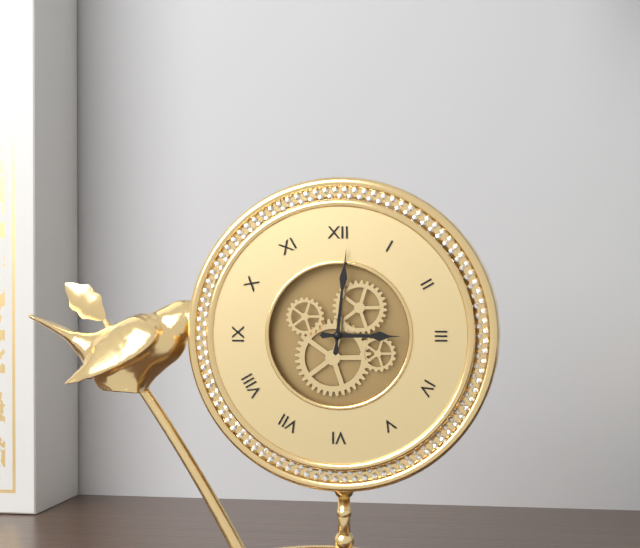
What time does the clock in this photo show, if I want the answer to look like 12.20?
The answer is 3.01
